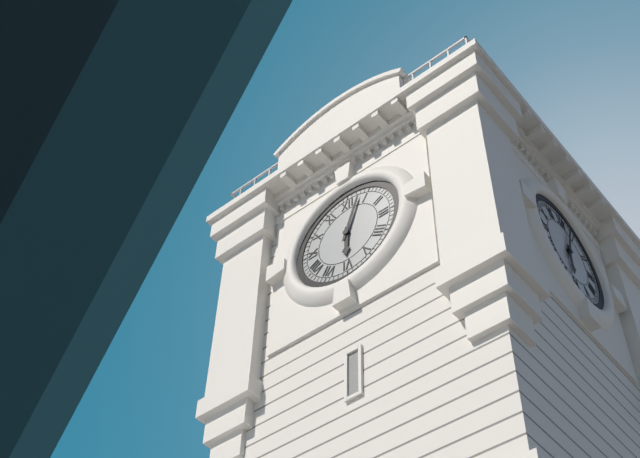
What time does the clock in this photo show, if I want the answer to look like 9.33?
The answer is 6.03
